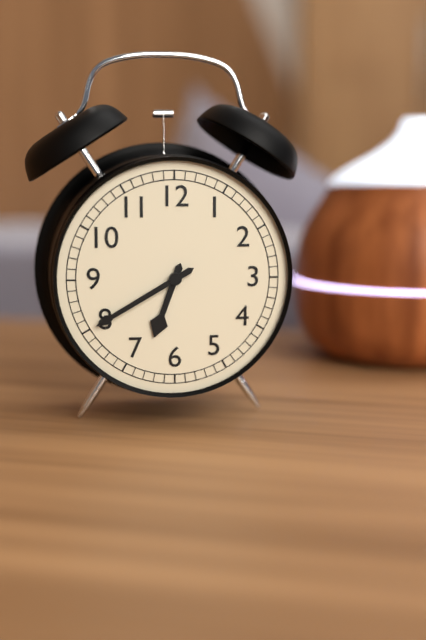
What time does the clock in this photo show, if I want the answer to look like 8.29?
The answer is 6.40
